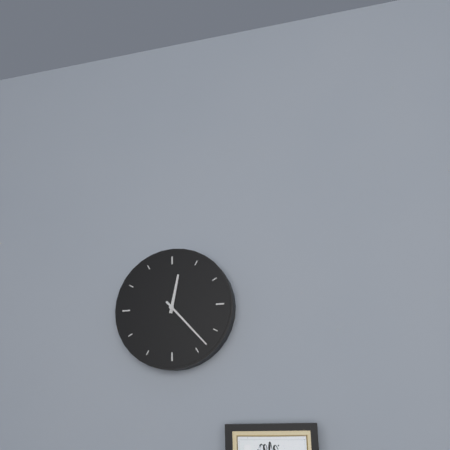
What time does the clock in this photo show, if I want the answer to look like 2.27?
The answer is 12.23
